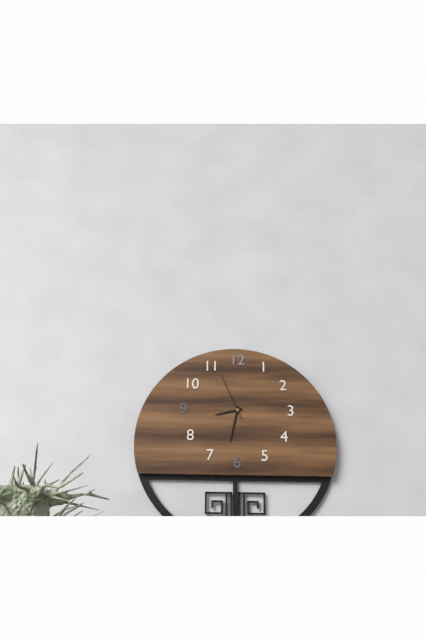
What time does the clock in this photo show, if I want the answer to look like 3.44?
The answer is 8.32
